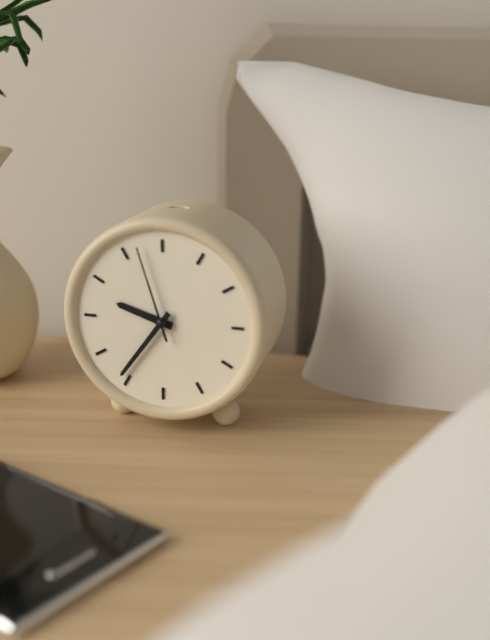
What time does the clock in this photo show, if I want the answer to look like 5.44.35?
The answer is 9.36.57
